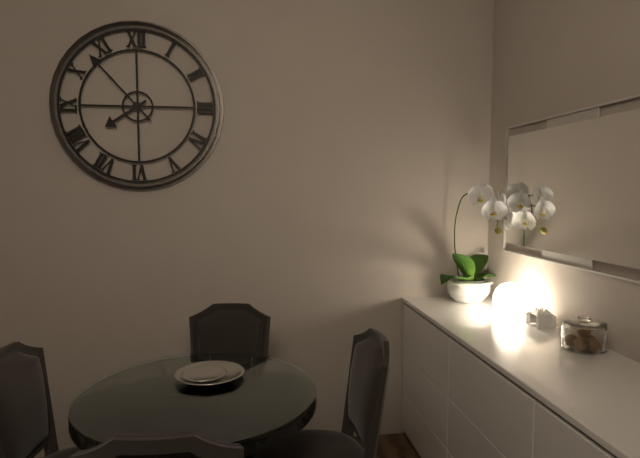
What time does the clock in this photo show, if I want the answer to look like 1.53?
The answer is 7.53
